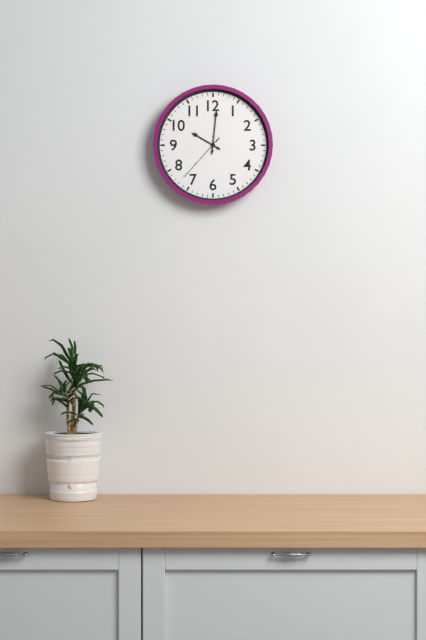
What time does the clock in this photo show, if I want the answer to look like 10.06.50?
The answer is 10.01.37
